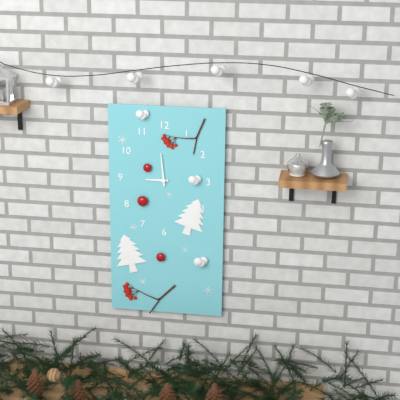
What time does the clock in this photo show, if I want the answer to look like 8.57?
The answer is 8.59
